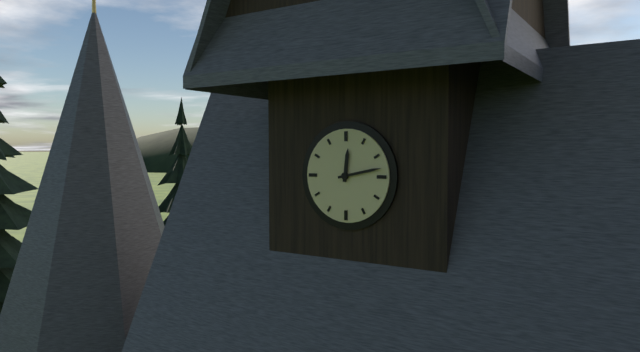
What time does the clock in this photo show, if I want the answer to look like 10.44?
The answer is 12.13
